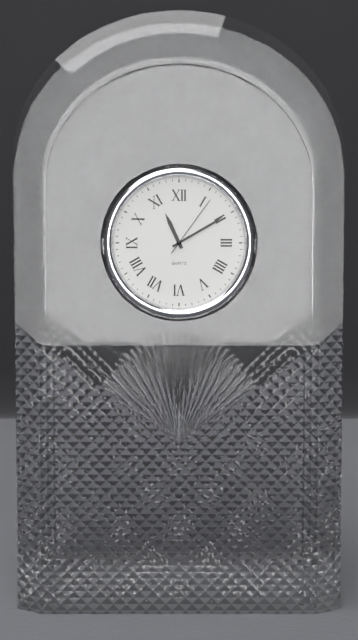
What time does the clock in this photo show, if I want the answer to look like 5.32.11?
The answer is 11.10.06
